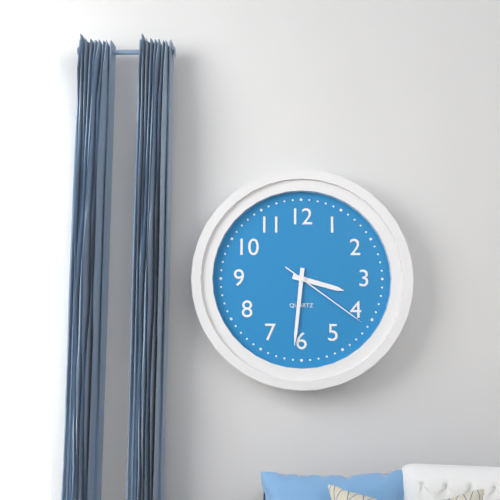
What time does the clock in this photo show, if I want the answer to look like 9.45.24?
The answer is 3.31.21
